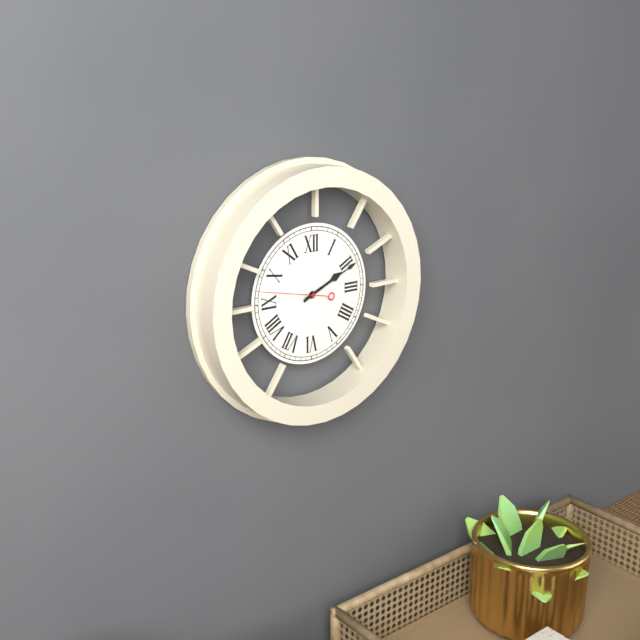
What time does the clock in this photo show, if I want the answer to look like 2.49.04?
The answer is 2.11.47
